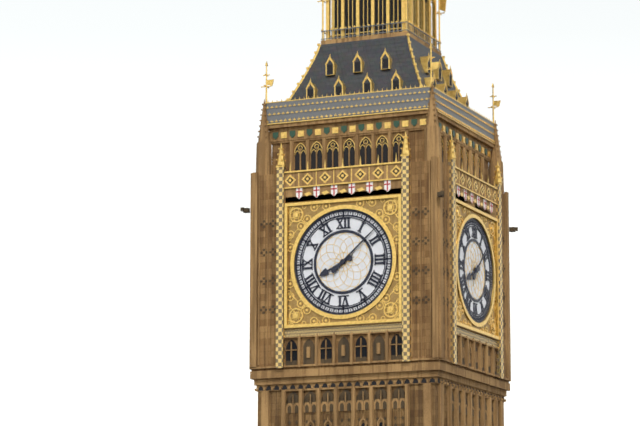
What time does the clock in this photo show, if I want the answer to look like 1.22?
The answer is 8.08
